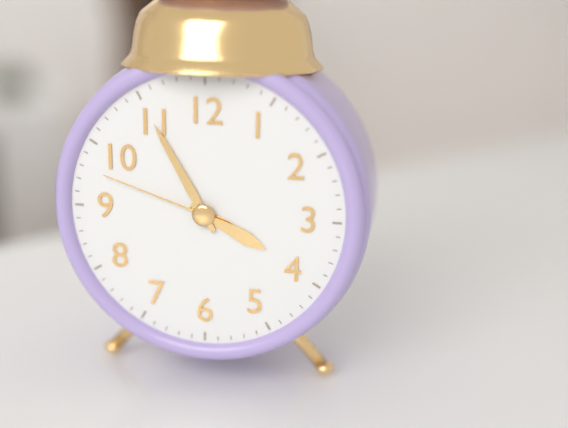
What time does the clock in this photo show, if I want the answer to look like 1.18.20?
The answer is 3.55.48
